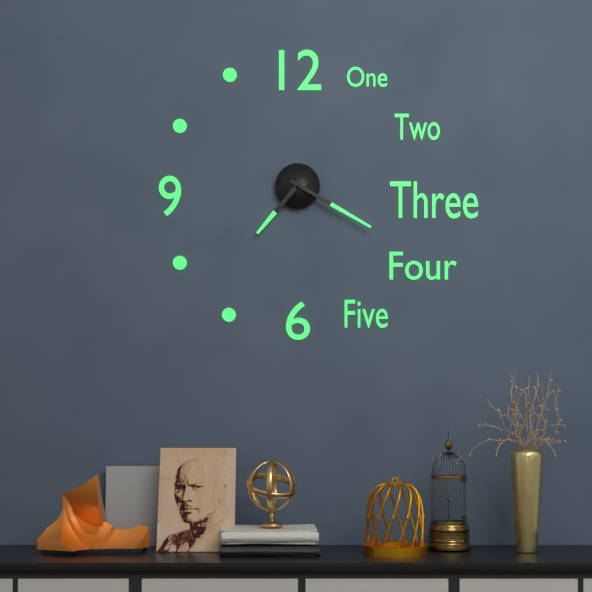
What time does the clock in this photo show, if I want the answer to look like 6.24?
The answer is 7.20
